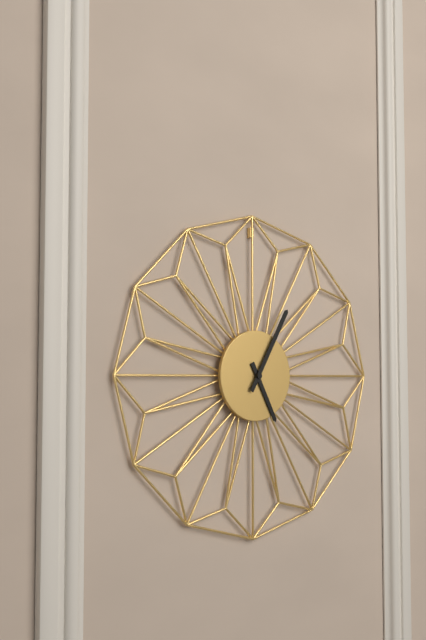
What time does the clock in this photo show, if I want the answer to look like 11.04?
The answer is 5.05
